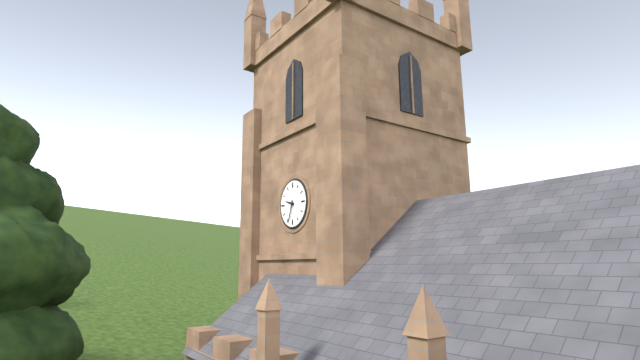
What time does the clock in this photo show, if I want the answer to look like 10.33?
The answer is 9.33
